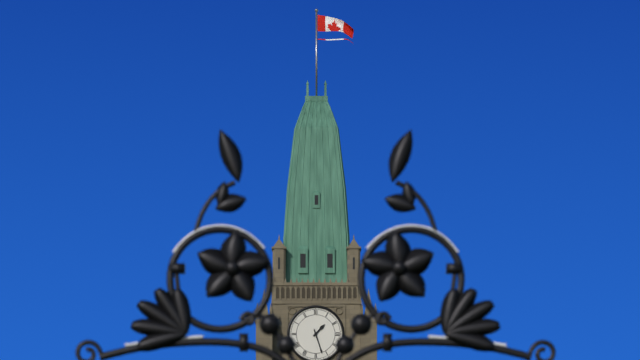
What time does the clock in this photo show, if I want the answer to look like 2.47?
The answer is 1.27
